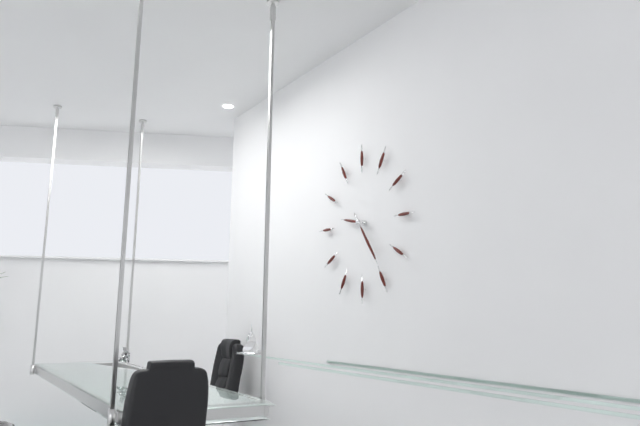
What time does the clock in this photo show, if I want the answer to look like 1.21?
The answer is 9.24
